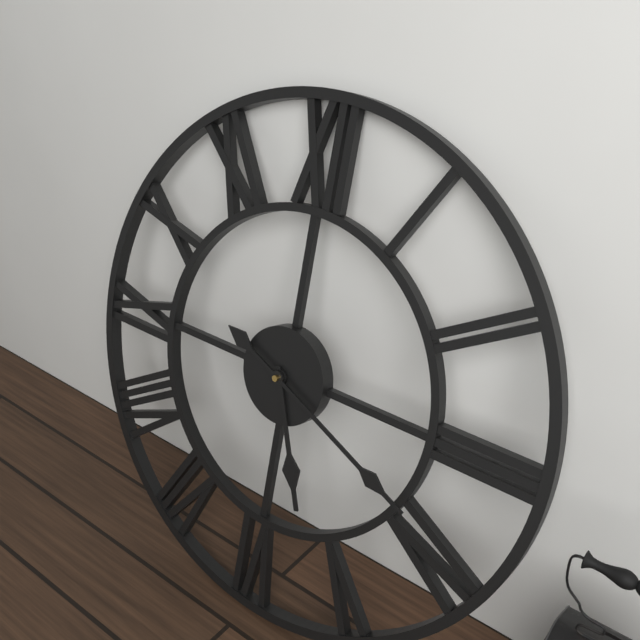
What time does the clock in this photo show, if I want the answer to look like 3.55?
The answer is 5.19
